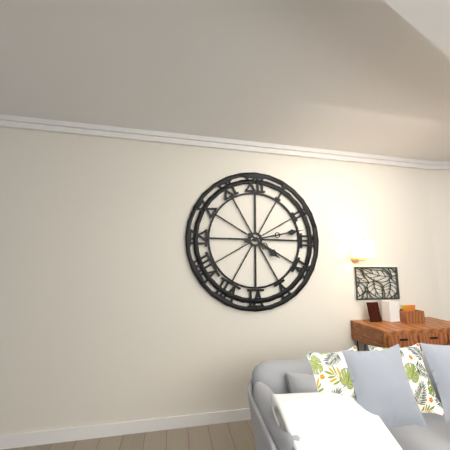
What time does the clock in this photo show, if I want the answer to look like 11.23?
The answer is 4.13
